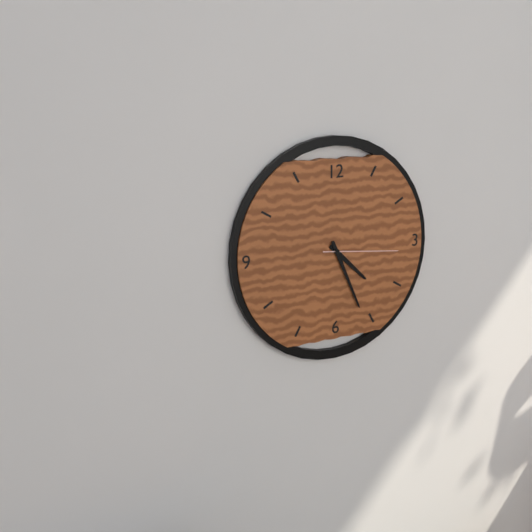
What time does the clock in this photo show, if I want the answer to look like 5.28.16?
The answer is 4.26.16
